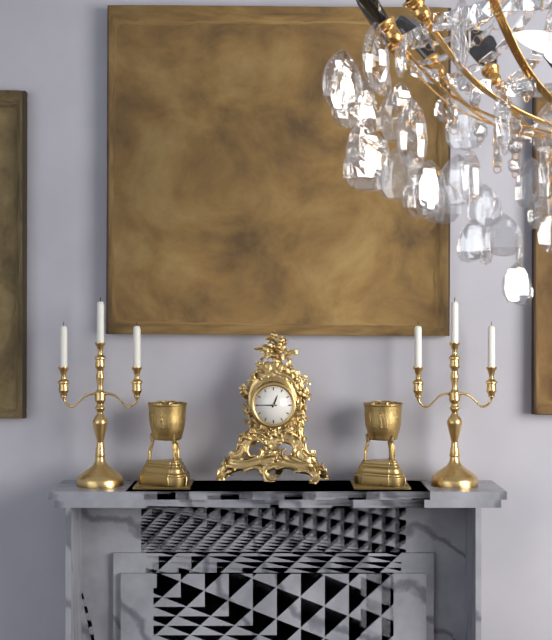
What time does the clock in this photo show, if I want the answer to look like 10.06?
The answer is 12.45
